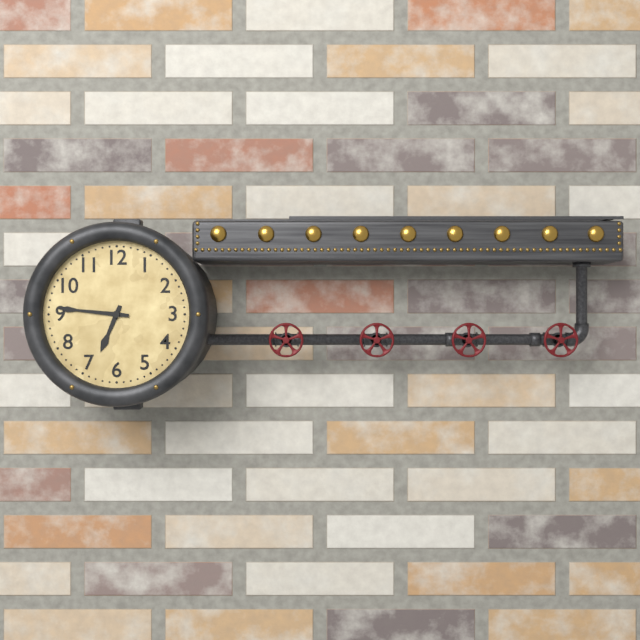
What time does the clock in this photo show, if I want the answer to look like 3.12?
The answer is 6.46
